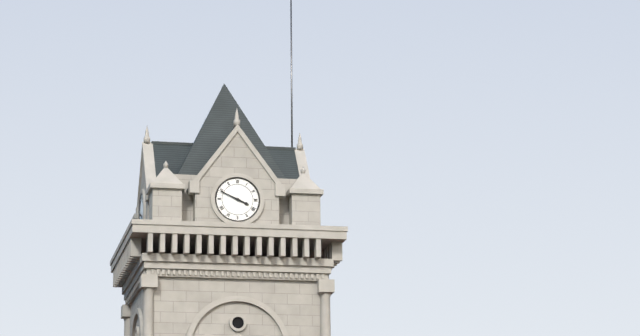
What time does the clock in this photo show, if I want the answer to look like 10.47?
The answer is 3.49
